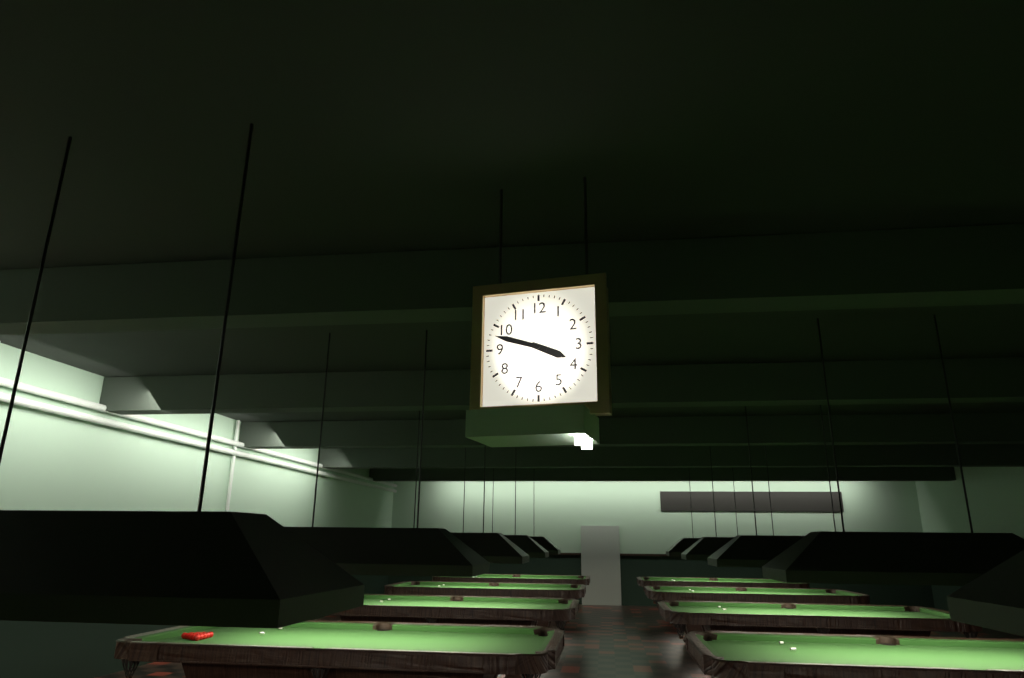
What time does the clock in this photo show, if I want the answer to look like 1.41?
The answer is 3.48
